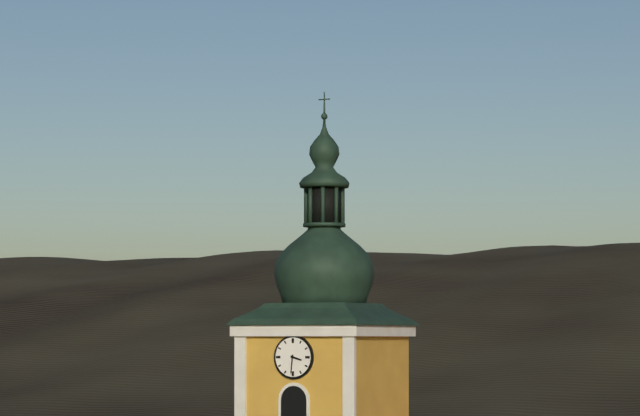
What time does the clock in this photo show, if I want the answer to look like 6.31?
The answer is 3.31
